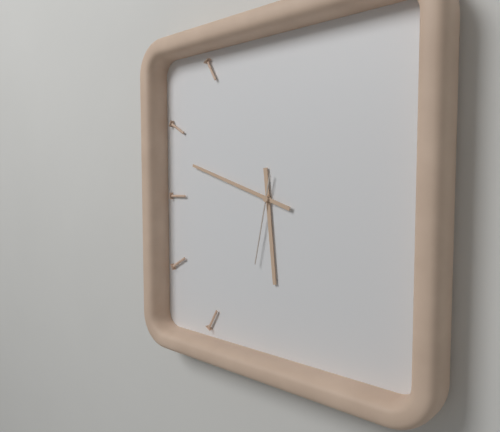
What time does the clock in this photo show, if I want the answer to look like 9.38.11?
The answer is 5.48.32
